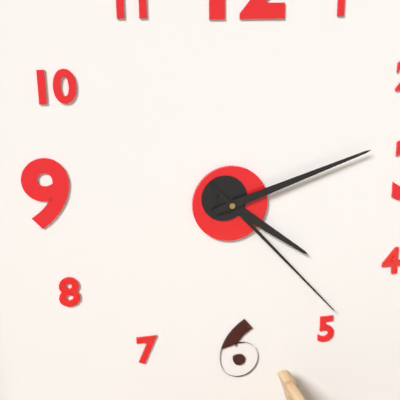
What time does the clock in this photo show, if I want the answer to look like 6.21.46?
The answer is 4.12.23
